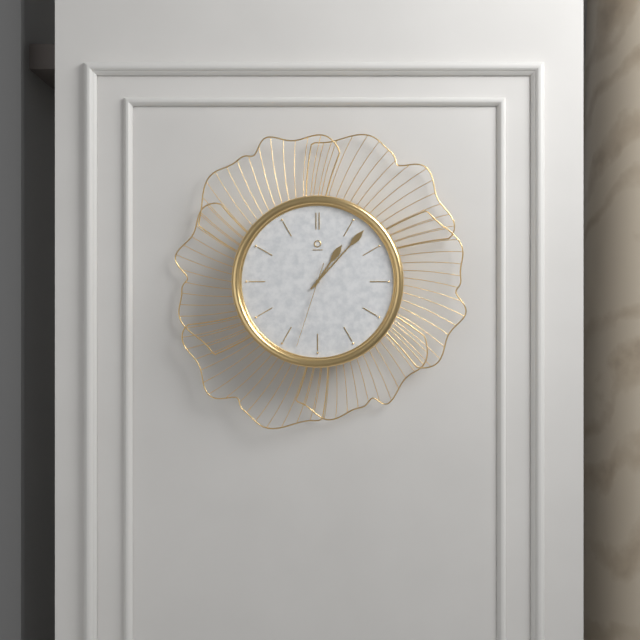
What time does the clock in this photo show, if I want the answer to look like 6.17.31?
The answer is 1.07.33
